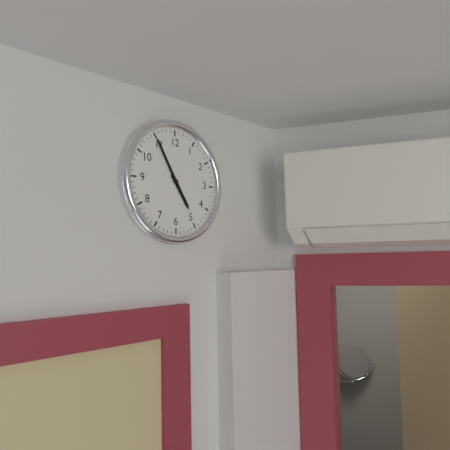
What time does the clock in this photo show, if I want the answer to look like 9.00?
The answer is 4.55
